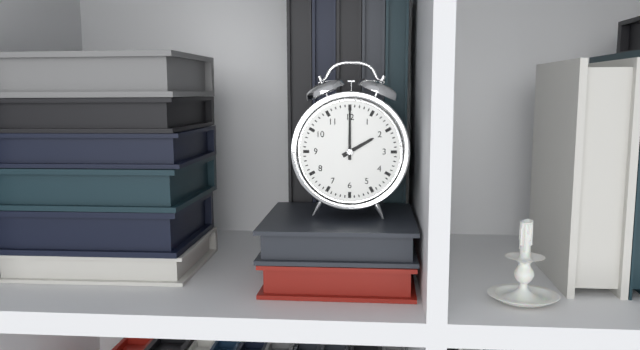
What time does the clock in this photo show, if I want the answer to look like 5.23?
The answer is 2.00
